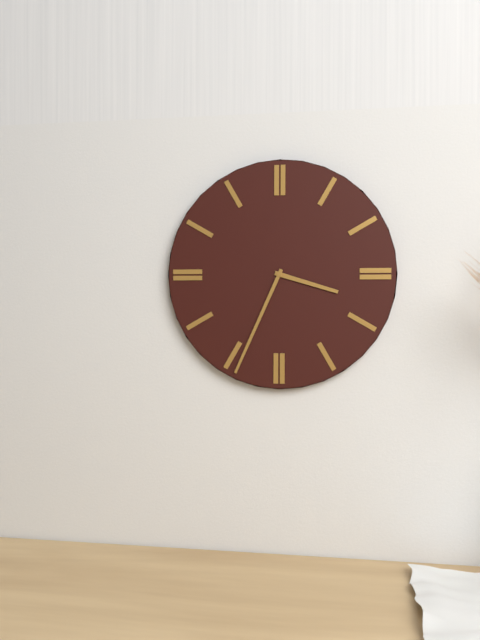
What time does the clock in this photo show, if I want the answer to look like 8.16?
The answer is 3.34
